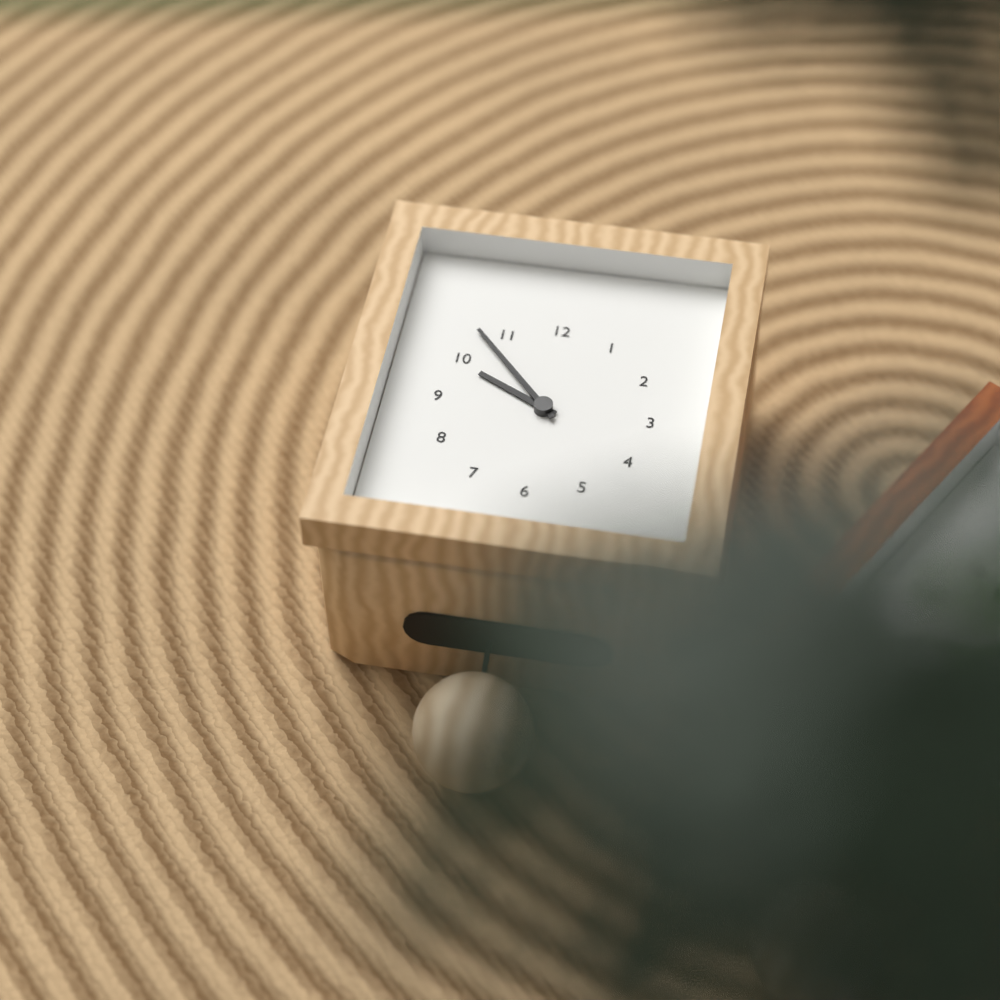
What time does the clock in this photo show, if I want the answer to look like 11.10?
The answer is 9.53
